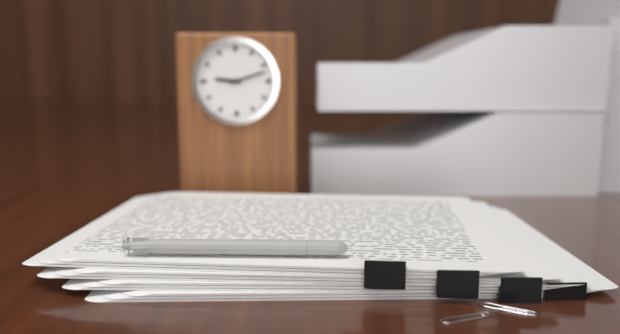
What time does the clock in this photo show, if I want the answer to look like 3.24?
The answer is 9.12
